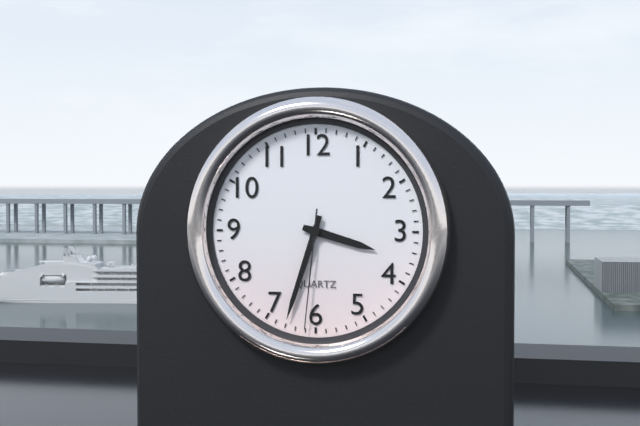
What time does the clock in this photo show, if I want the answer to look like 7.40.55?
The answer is 3.33.31
